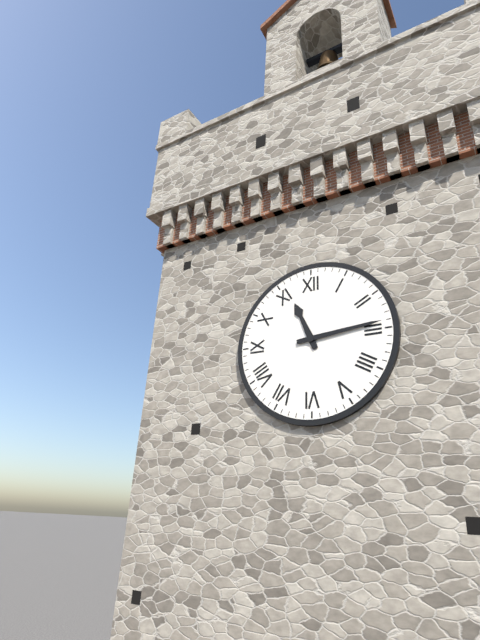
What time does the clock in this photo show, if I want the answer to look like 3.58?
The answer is 11.14
